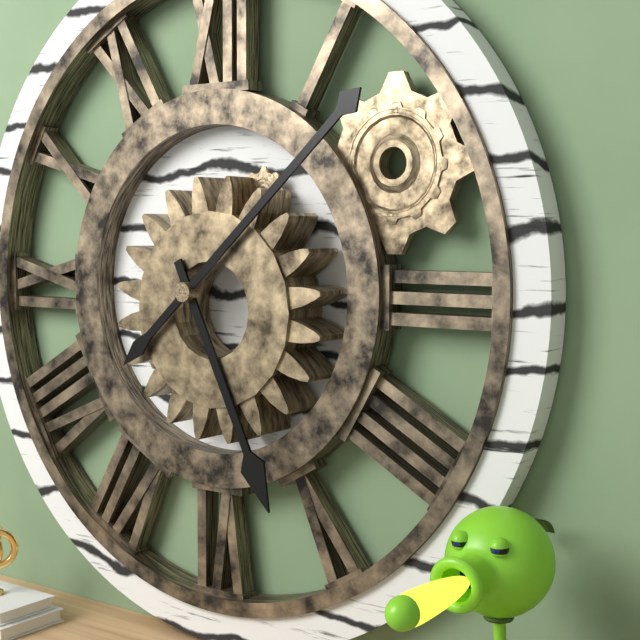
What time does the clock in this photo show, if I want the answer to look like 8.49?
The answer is 5.08
